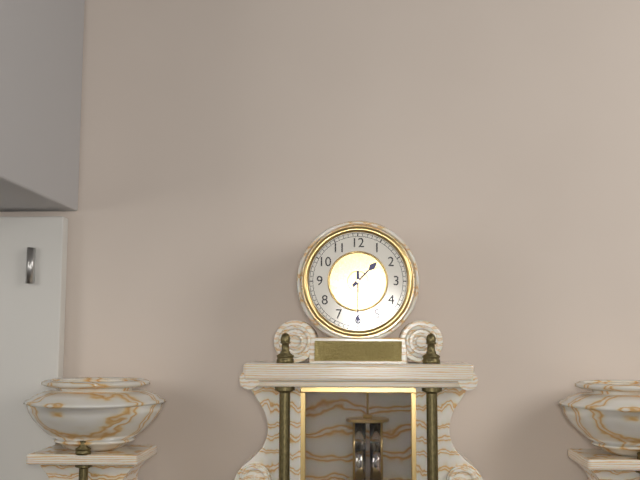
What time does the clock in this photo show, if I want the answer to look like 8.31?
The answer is 1.30
